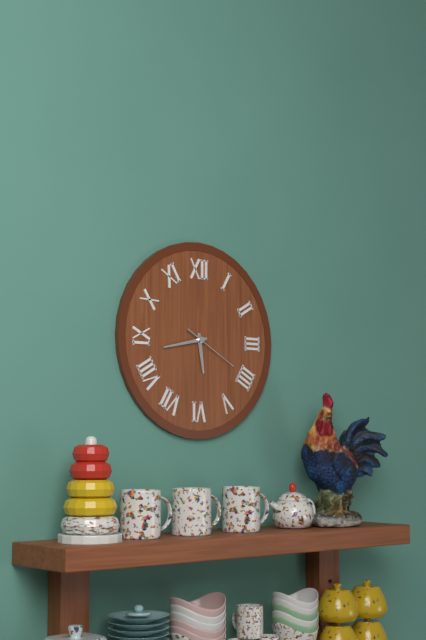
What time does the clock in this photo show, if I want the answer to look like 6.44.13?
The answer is 5.43.20
